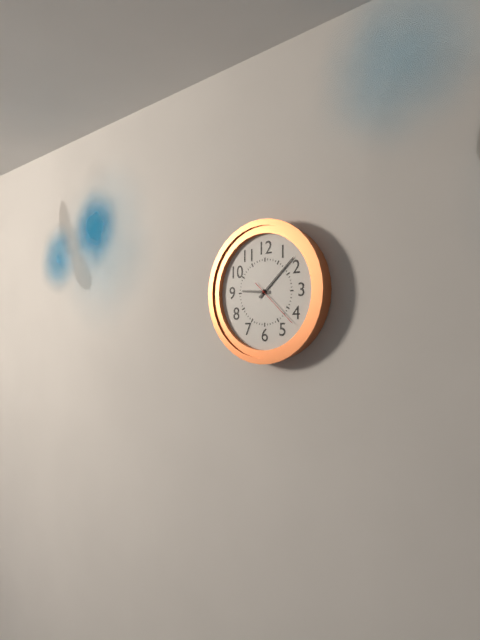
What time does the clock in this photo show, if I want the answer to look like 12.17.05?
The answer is 9.08.22
